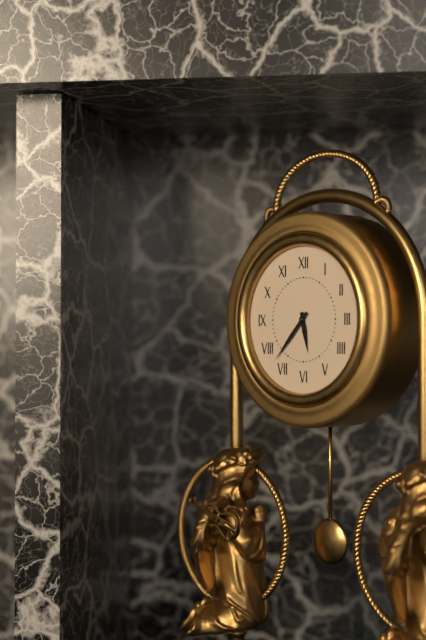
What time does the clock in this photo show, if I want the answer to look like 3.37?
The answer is 5.37
